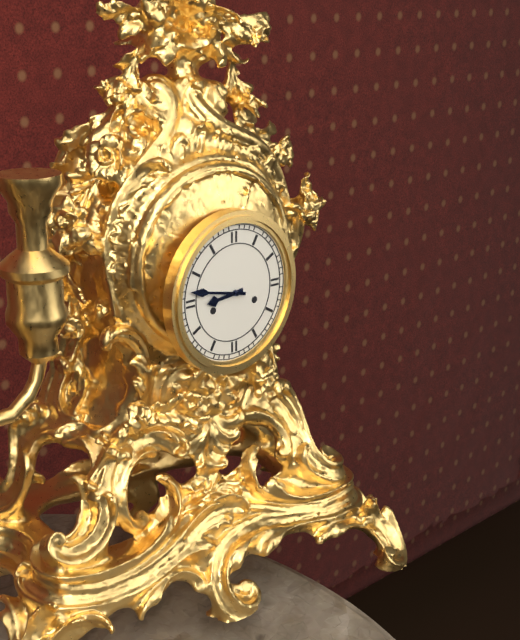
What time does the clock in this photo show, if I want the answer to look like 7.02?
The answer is 8.47
